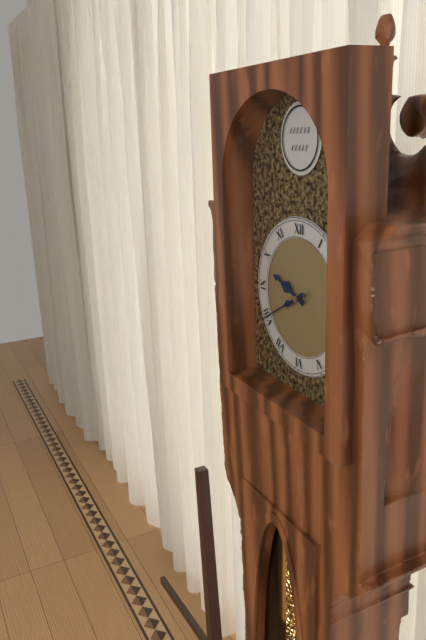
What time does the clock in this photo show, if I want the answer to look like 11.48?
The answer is 9.40
